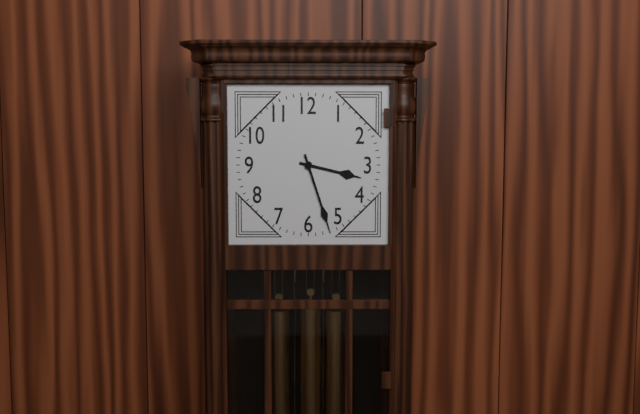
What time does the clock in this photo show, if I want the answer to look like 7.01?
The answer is 3.27
